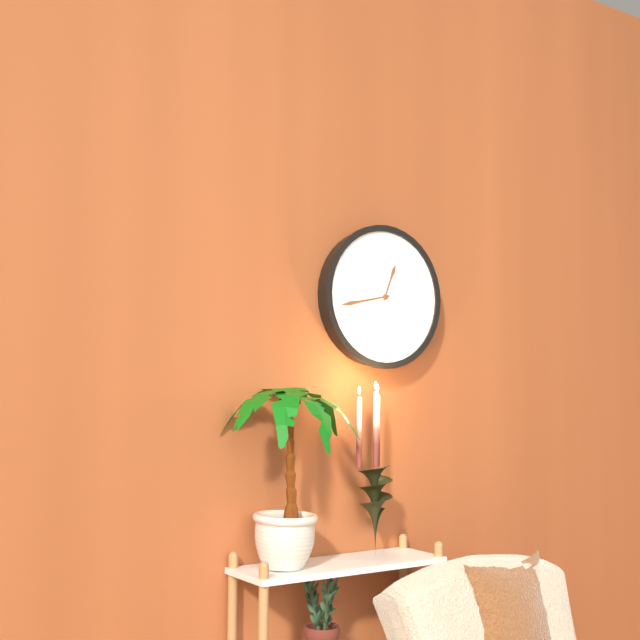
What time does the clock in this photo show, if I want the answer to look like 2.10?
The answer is 12.43
